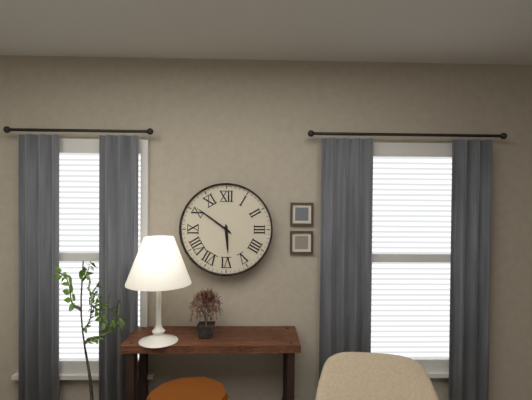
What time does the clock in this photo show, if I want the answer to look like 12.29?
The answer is 5.51
